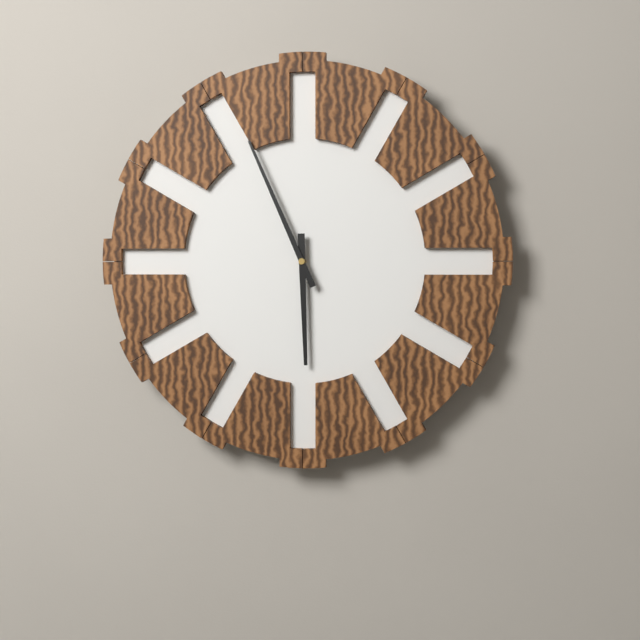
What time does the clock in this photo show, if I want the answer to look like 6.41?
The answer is 5.56
